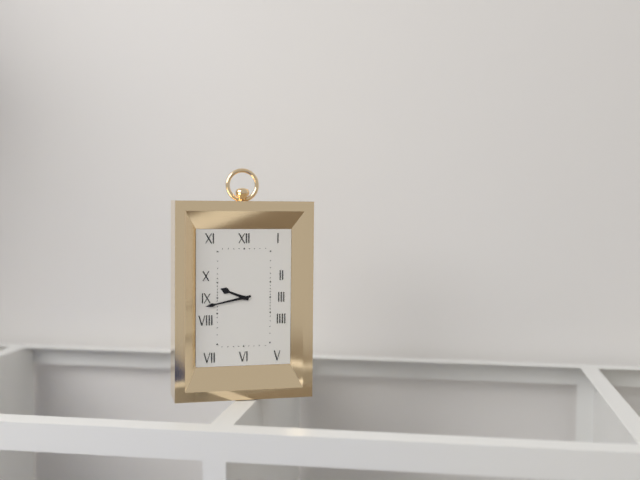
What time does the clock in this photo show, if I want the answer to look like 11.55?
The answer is 9.43
